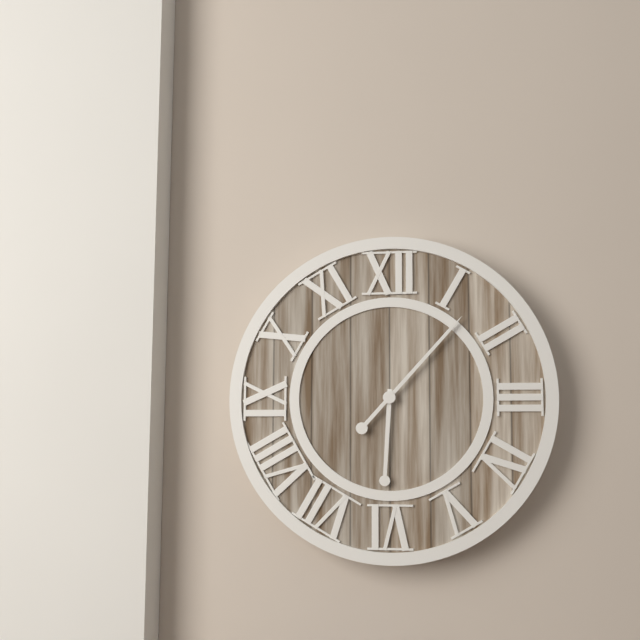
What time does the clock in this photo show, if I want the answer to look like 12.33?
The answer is 6.07
